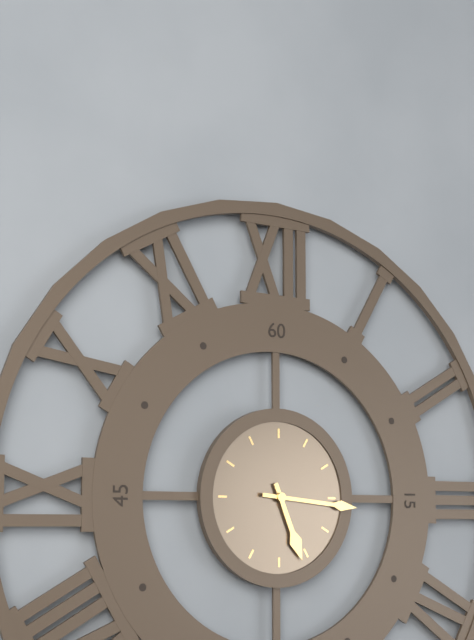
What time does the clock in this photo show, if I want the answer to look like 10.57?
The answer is 5.16
